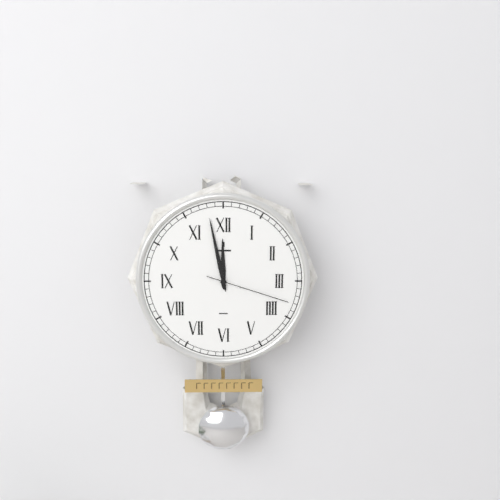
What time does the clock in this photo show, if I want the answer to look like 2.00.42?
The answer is 11.58.18
